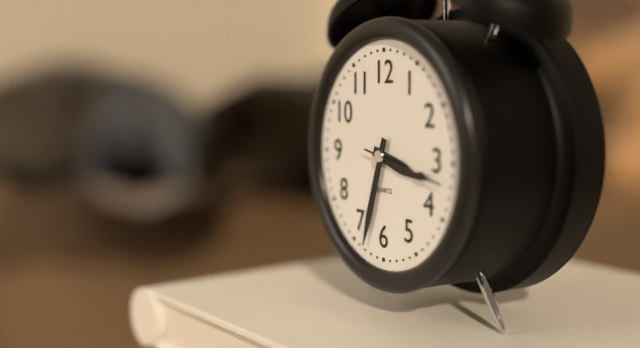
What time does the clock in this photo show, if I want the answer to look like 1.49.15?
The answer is 3.33.17
